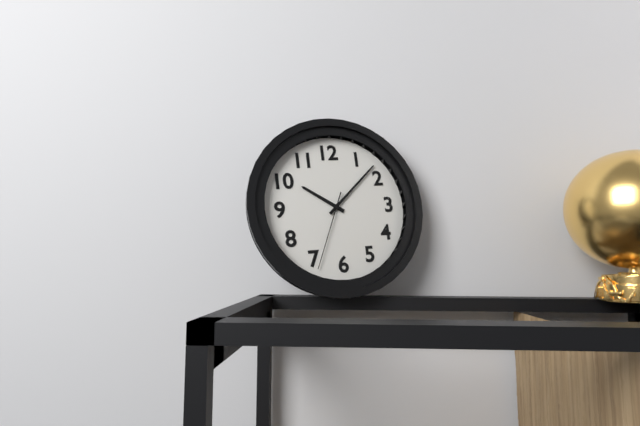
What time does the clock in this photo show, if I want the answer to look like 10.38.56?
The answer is 10.08.34
